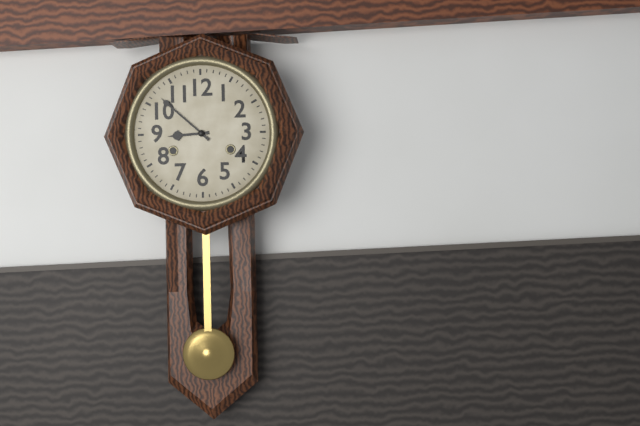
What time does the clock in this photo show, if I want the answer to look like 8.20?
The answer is 8.52
